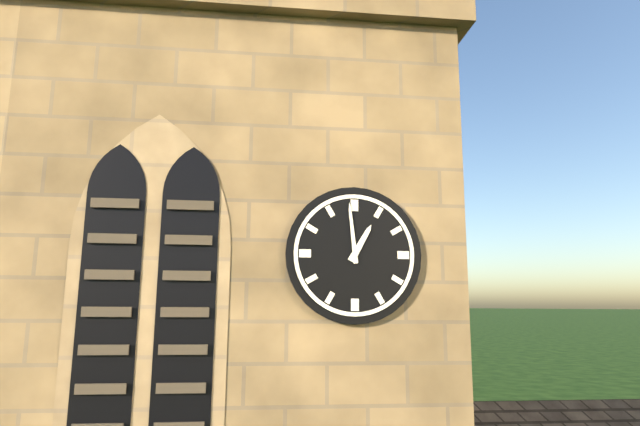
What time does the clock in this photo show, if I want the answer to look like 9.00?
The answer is 12.59
